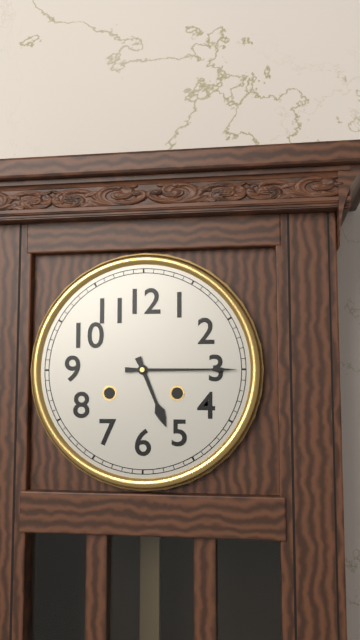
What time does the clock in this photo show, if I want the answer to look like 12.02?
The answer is 5.15
